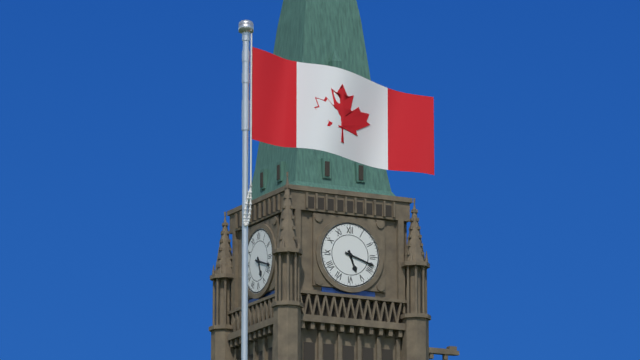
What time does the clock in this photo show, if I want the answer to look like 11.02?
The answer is 5.18
